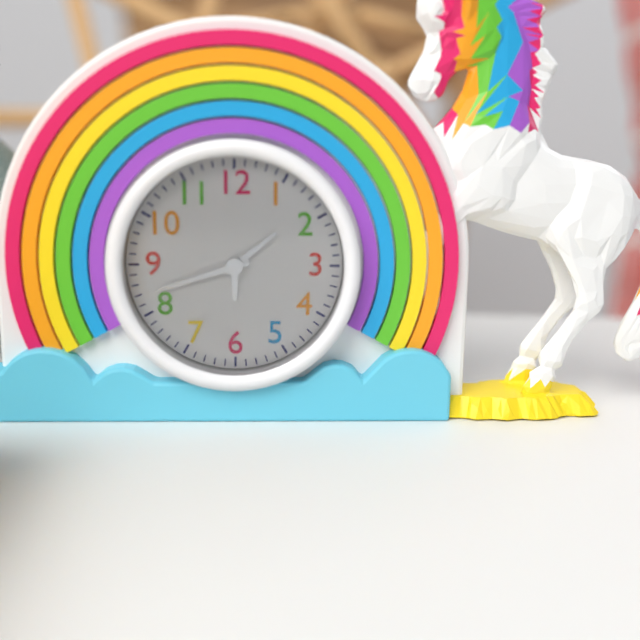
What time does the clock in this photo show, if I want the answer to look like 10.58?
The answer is 1.42
